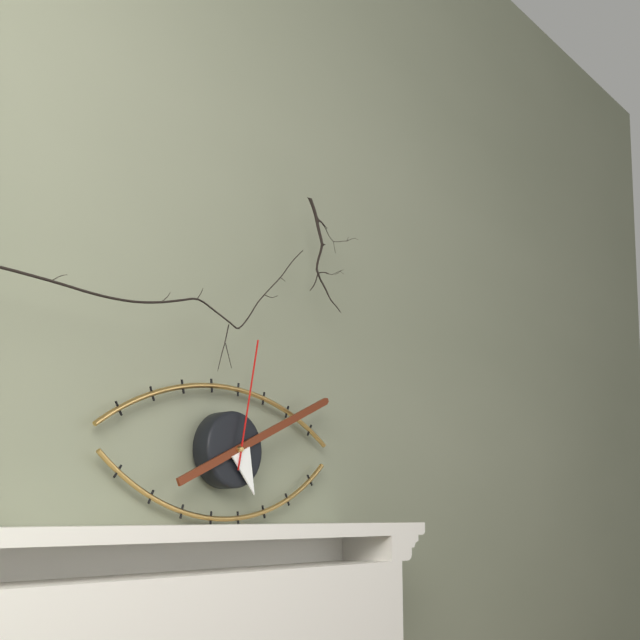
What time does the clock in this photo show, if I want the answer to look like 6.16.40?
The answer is 5.11.02
